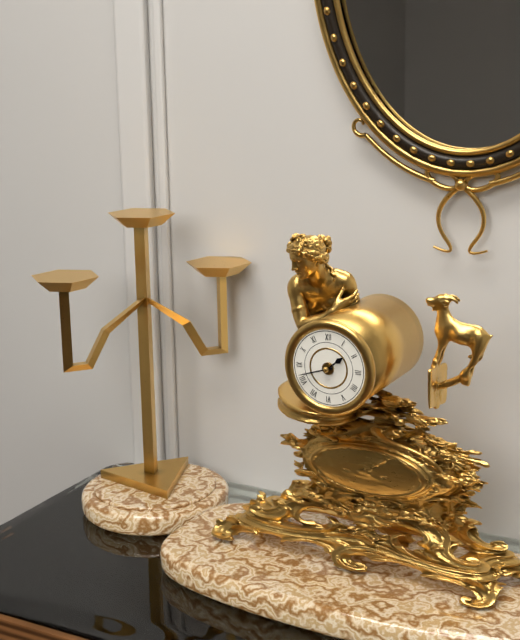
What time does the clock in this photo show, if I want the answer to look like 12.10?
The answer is 1.42
